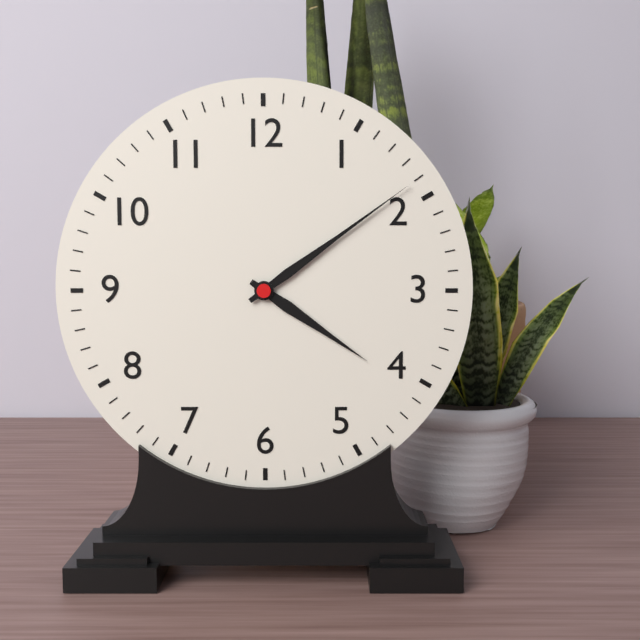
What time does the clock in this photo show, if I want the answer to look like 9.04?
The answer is 4.09
